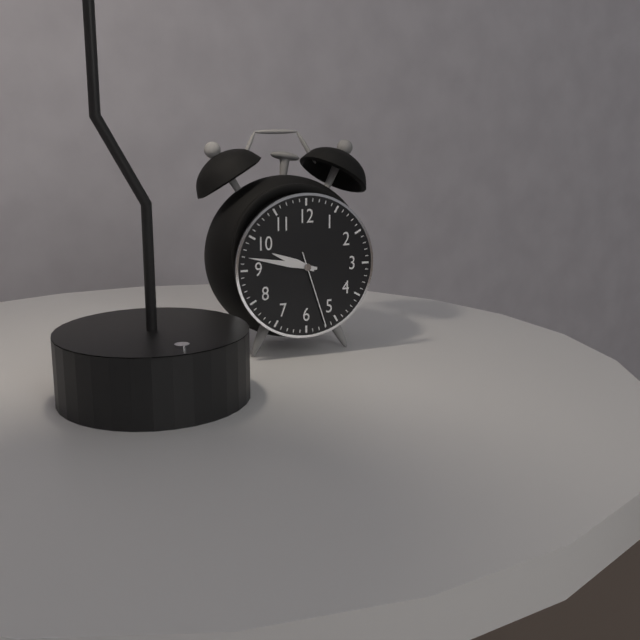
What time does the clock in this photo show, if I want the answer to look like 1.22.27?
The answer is 9.47.27
